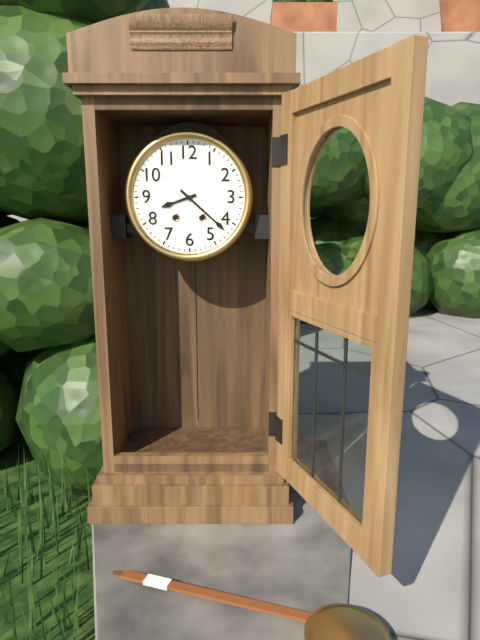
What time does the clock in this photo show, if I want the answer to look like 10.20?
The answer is 8.22
